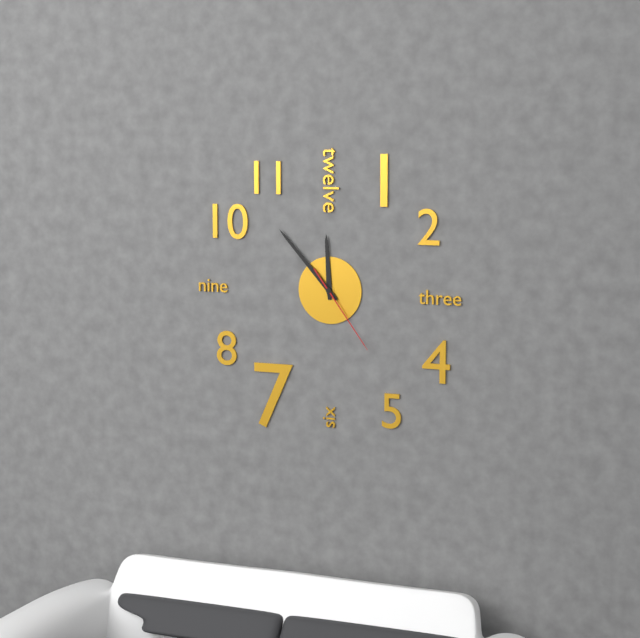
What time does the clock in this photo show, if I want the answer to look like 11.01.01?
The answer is 11.53.24
